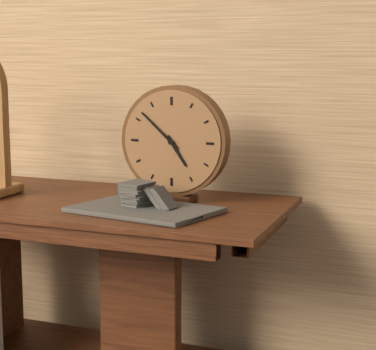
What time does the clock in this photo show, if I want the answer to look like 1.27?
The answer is 4.52
